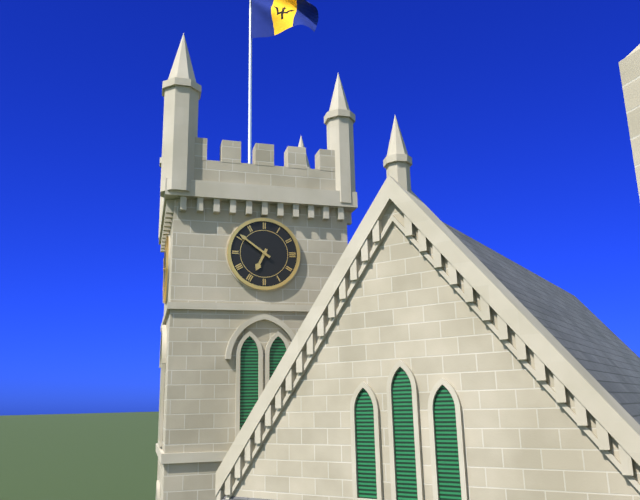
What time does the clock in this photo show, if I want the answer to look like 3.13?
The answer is 6.51
